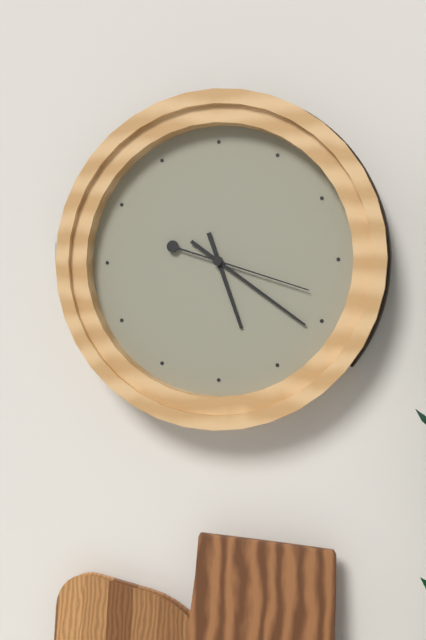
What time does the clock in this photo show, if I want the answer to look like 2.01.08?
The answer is 5.21.18
